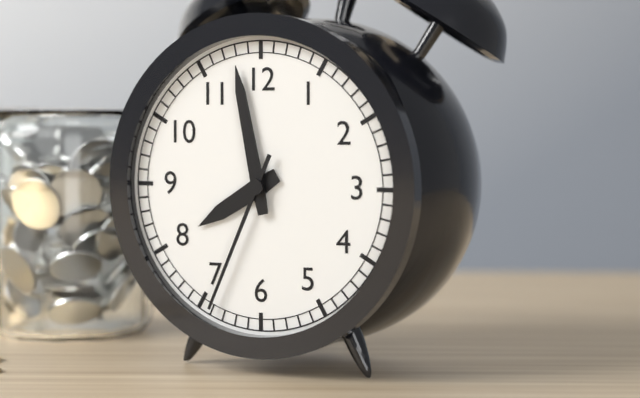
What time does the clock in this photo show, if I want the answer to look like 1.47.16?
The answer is 7.58.34
